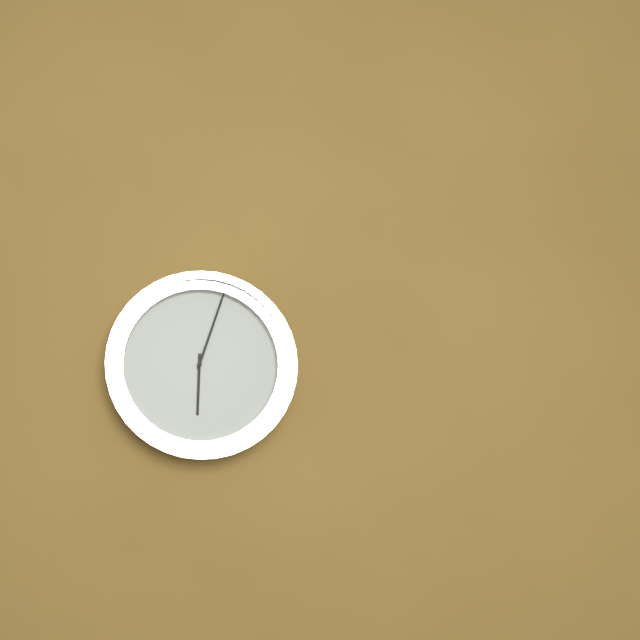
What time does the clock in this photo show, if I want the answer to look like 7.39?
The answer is 6.03
